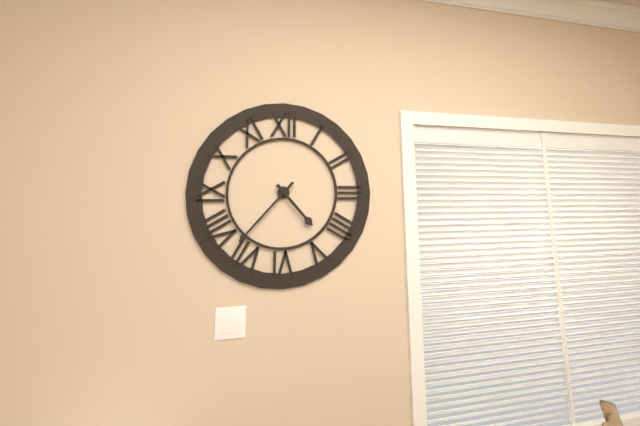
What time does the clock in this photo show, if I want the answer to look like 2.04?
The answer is 4.37
